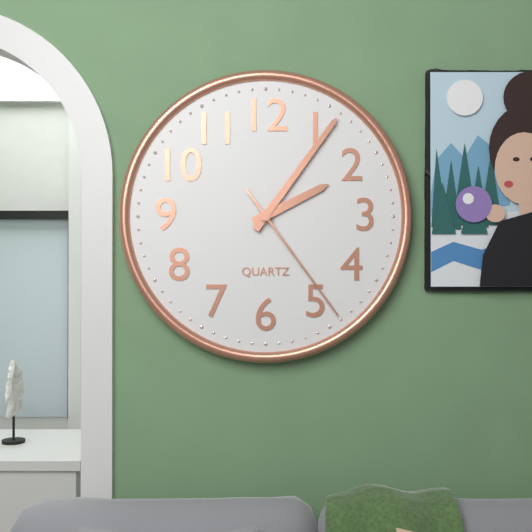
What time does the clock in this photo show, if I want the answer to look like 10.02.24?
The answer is 2.06.24
